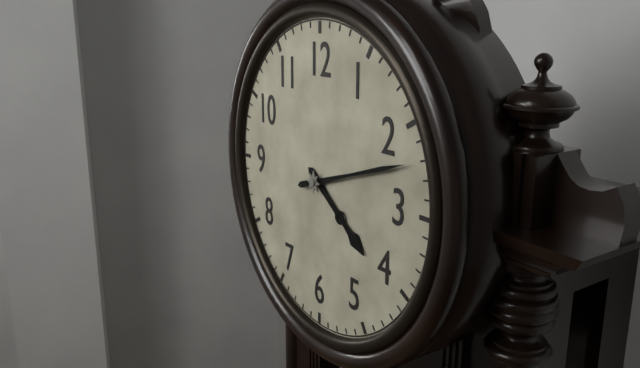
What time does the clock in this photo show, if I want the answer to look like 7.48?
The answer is 4.12
